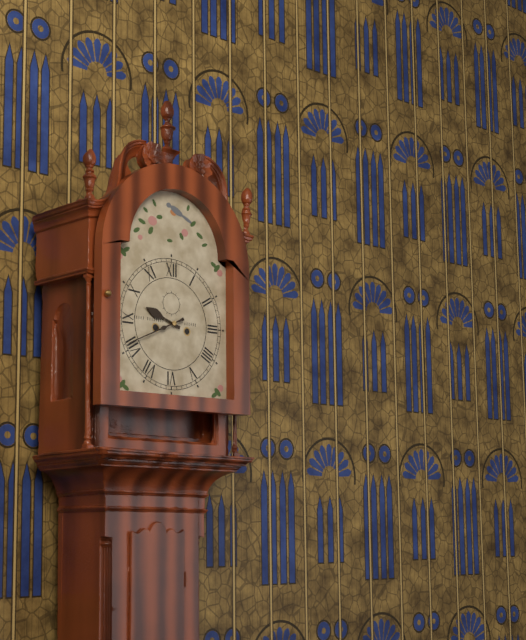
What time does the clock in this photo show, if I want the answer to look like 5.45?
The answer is 9.41
